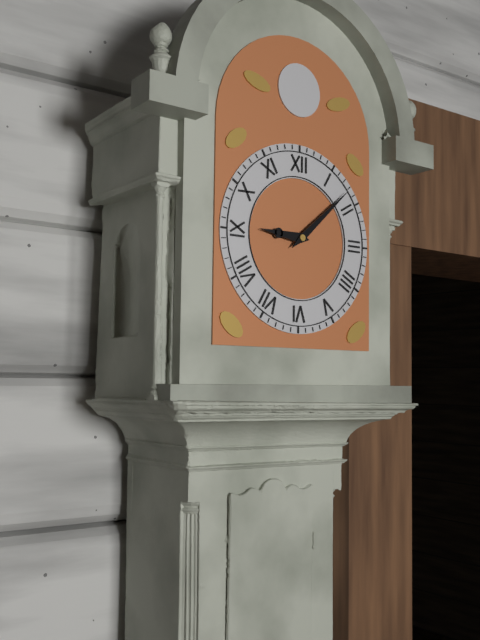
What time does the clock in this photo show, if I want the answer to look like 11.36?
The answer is 9.08
